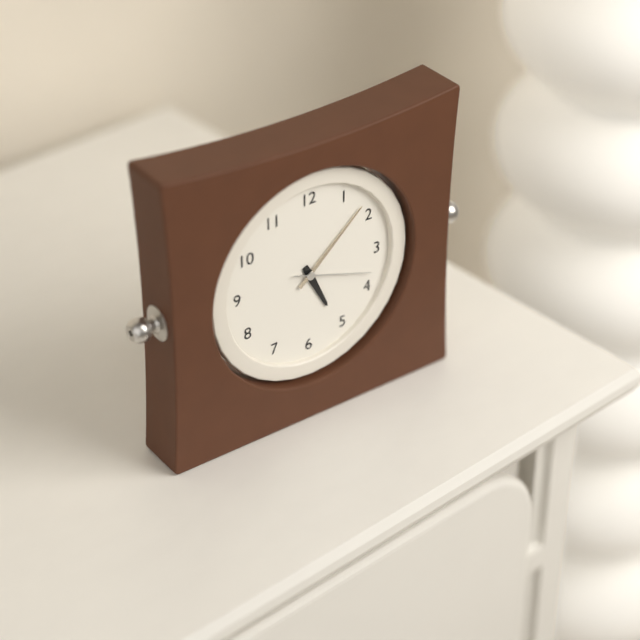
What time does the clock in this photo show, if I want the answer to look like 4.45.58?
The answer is 5.08.18
